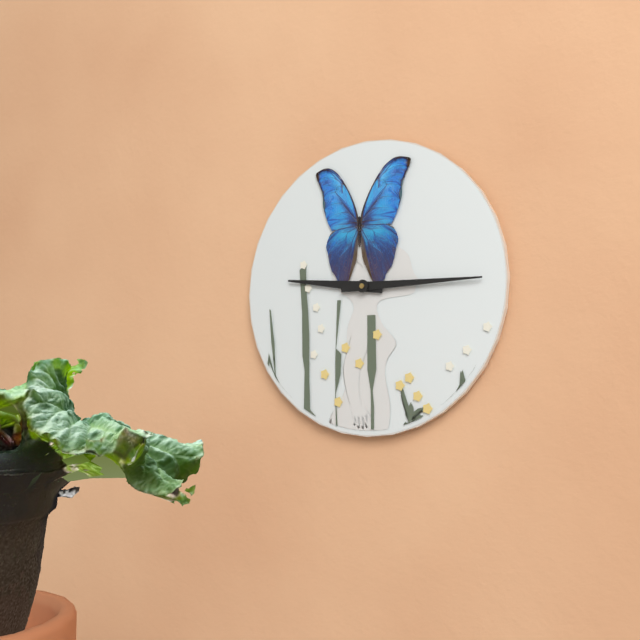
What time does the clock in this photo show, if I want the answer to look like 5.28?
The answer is 9.15
